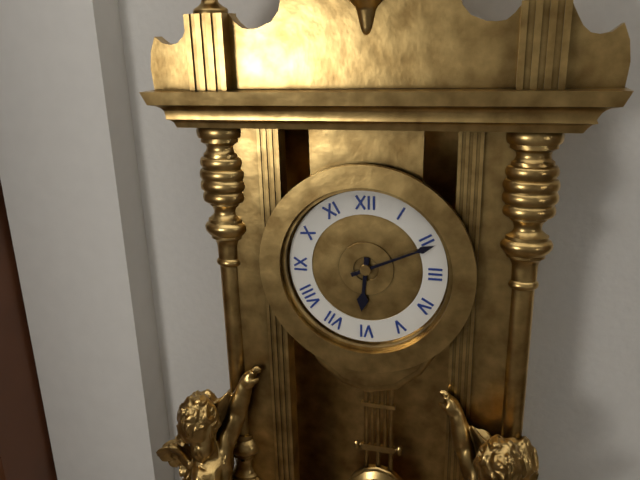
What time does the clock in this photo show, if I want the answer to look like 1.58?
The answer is 6.11
